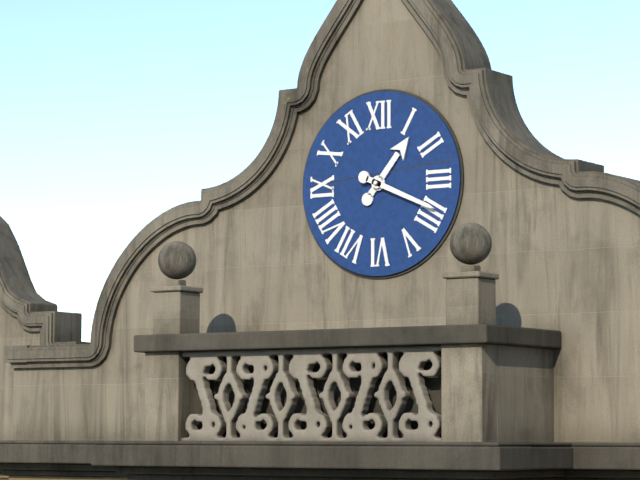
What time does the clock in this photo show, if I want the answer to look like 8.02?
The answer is 1.19
